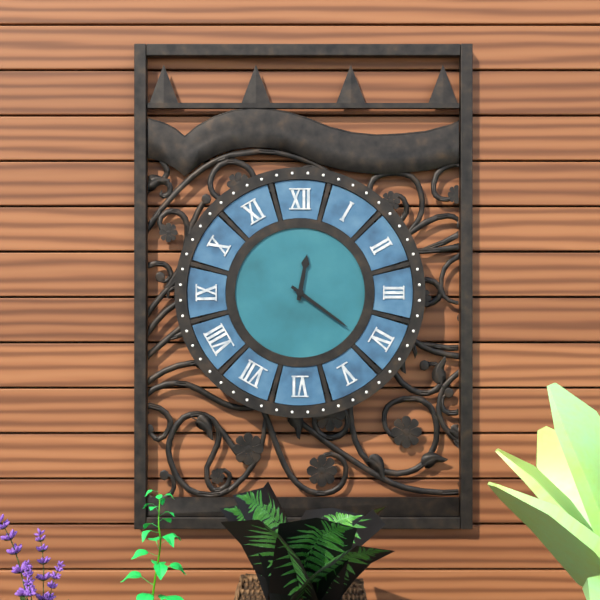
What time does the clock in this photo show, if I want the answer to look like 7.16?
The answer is 12.21
